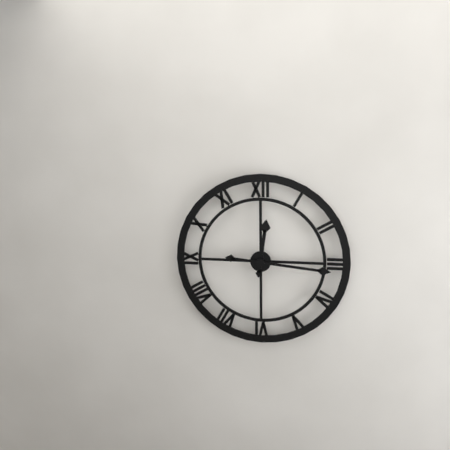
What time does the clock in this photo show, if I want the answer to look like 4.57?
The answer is 12.16
